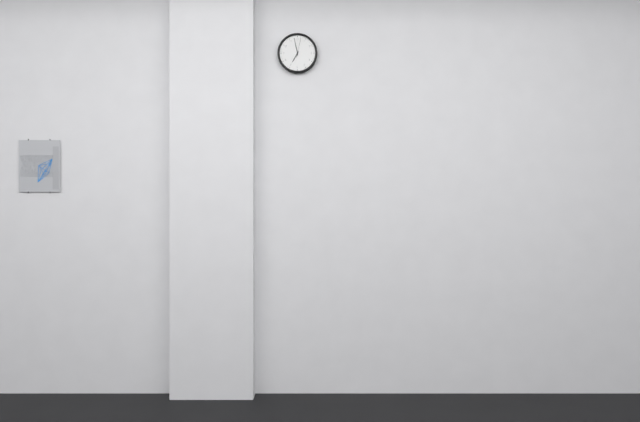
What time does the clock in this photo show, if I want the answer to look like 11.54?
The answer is 6.58
